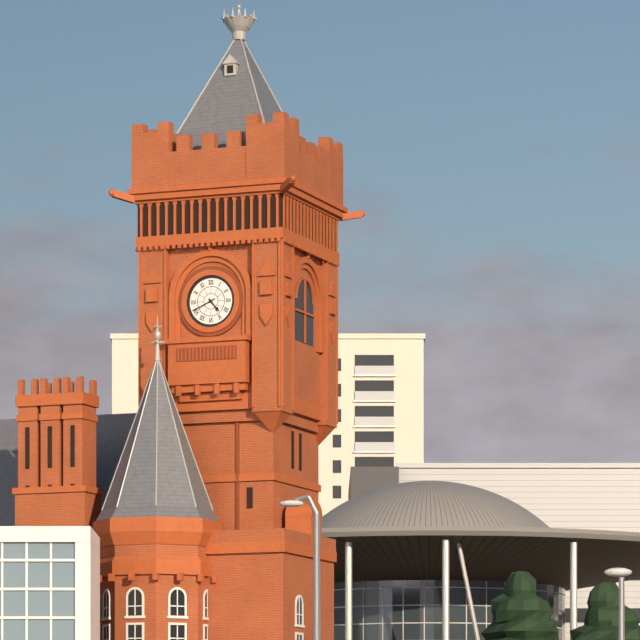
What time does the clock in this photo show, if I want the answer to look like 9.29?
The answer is 4.41
